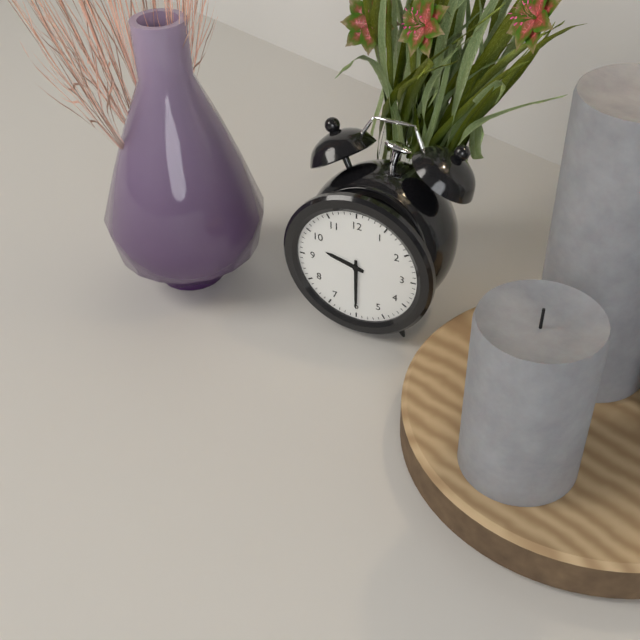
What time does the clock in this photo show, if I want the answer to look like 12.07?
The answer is 9.30
